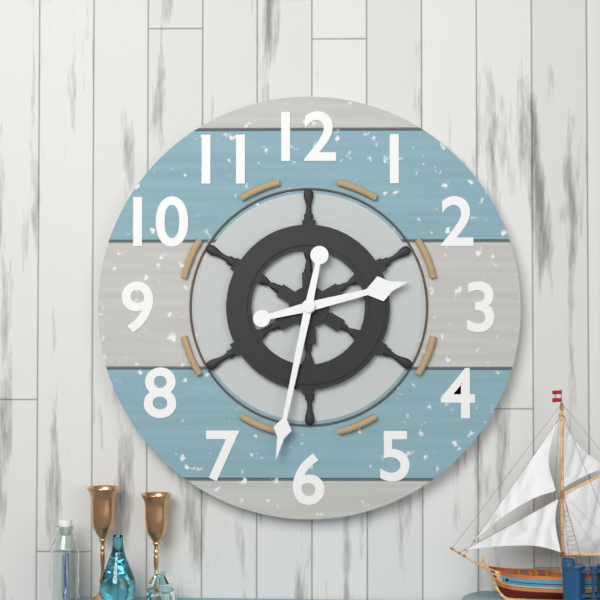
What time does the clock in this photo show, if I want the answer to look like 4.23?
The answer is 2.32
